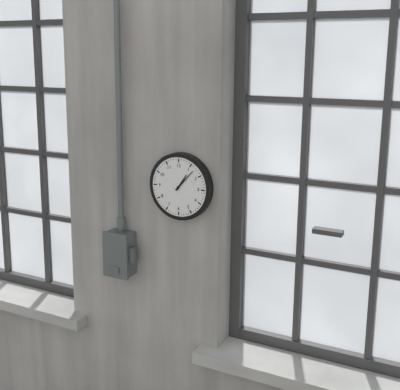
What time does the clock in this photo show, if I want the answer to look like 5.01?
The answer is 1.07
